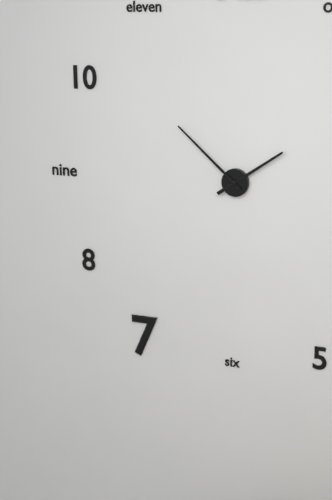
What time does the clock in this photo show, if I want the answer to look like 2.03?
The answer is 1.52
